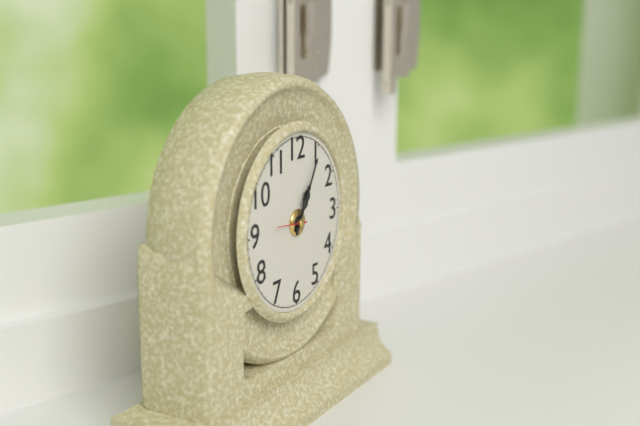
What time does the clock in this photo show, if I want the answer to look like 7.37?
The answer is 1.05
